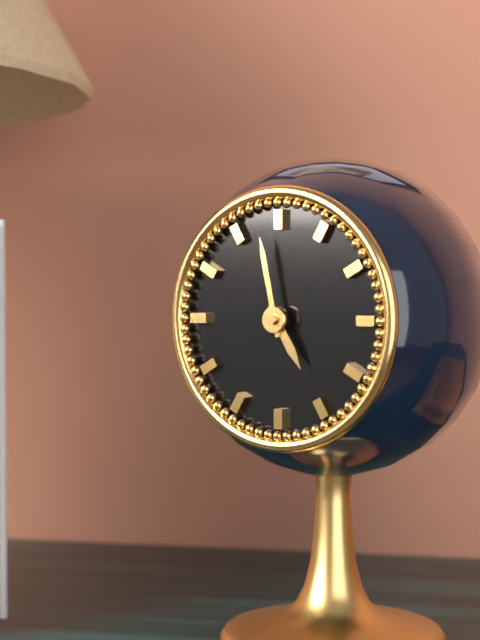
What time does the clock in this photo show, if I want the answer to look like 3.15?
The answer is 4.58
